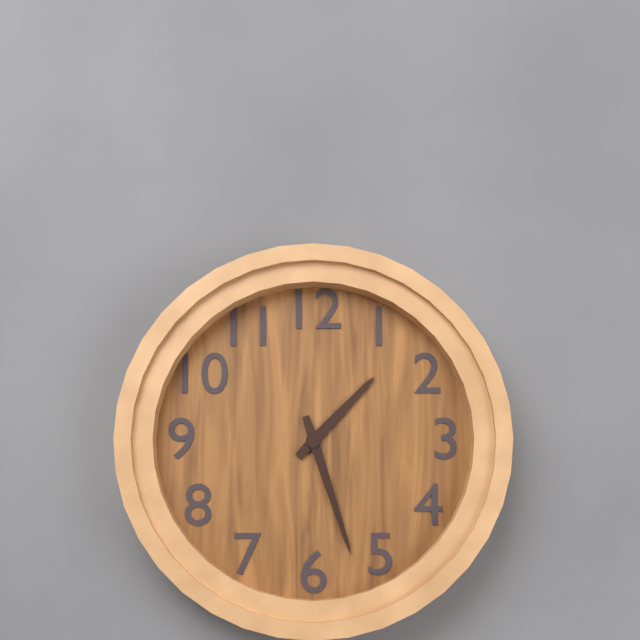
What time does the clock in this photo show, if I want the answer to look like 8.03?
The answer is 1.27
